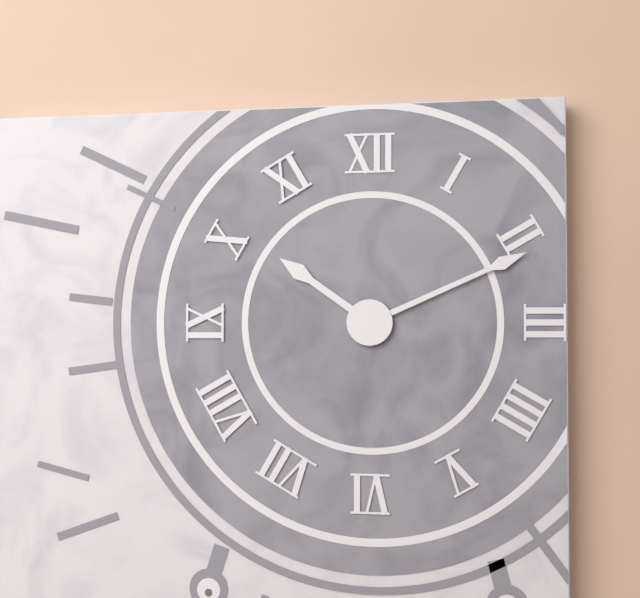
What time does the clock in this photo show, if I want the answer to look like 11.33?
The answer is 10.11
